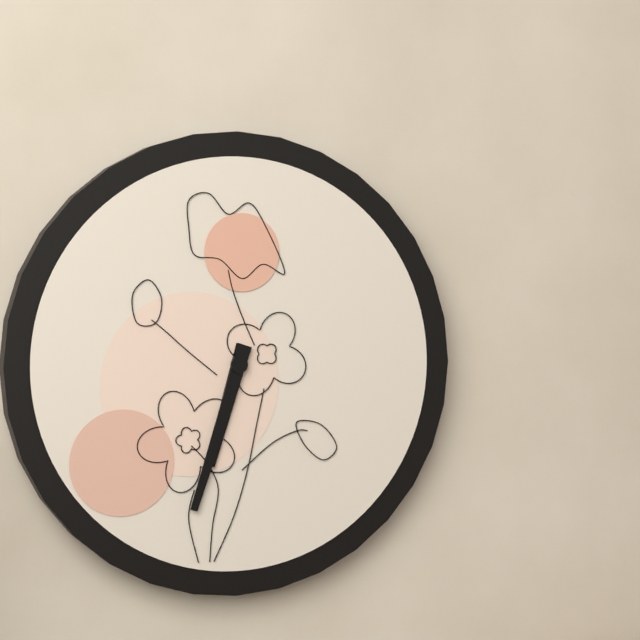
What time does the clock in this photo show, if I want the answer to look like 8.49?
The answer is 6.33
